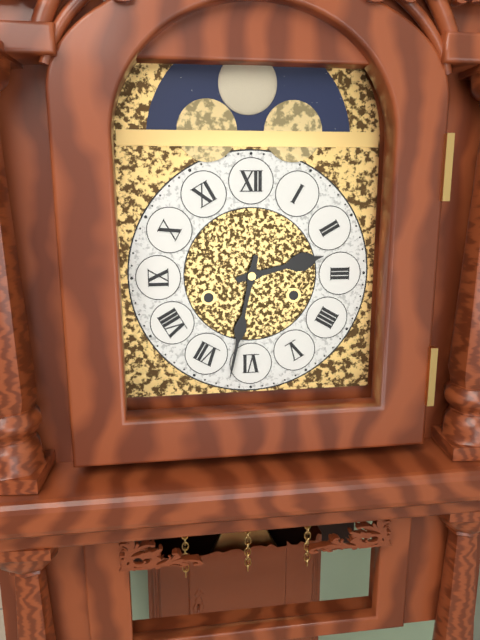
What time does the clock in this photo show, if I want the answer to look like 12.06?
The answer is 2.32
